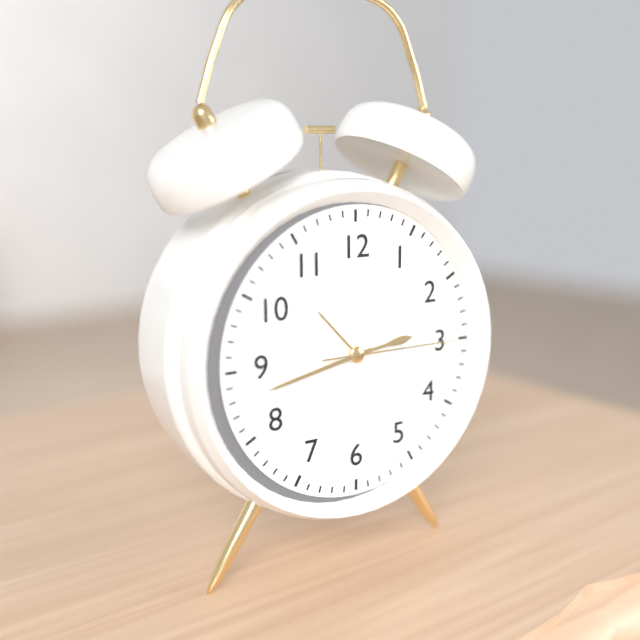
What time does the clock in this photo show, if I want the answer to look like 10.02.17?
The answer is 2.43.15
